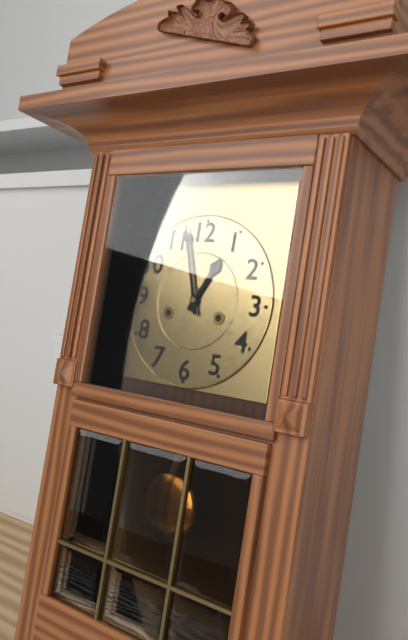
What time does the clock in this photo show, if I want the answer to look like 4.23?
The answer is 12.57
